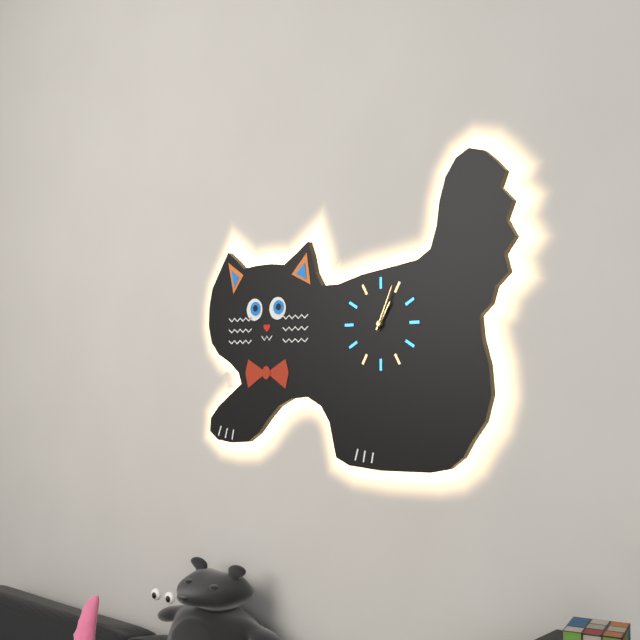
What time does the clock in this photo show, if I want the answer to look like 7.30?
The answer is 1.04
